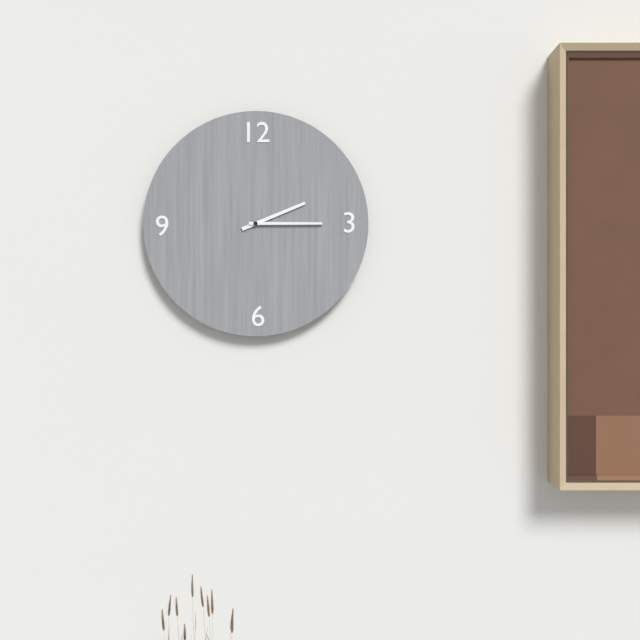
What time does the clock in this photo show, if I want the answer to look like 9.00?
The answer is 2.15
